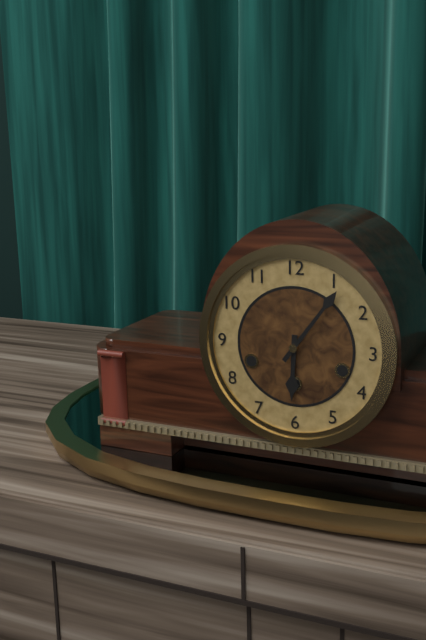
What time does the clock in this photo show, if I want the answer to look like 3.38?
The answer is 6.06
